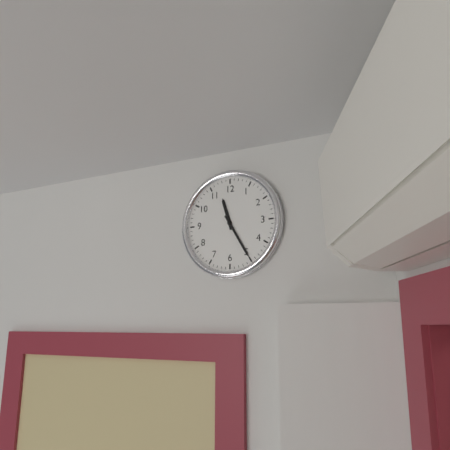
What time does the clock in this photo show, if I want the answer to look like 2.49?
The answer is 11.25
